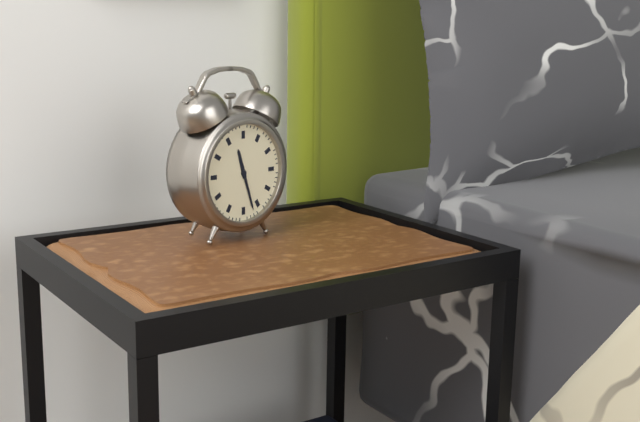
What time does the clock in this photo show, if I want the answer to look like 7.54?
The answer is 11.27
